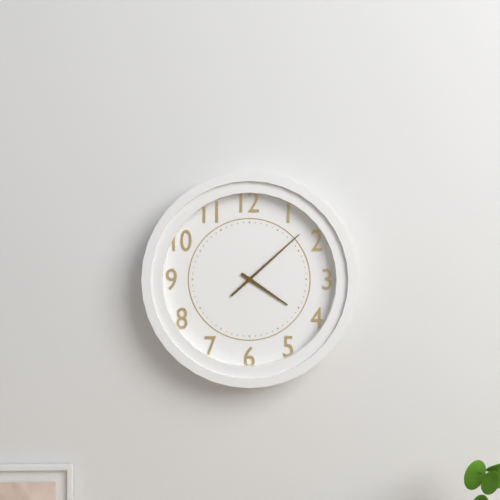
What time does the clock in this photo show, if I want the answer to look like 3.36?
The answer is 4.08
